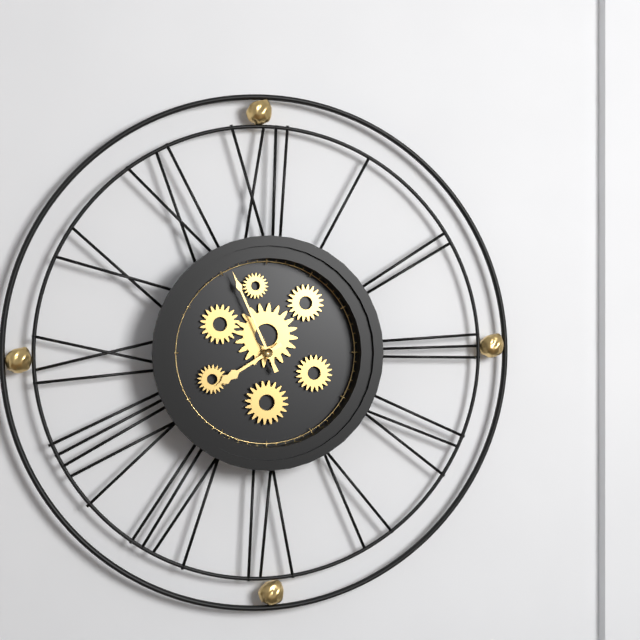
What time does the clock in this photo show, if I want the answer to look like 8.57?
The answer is 7.56
